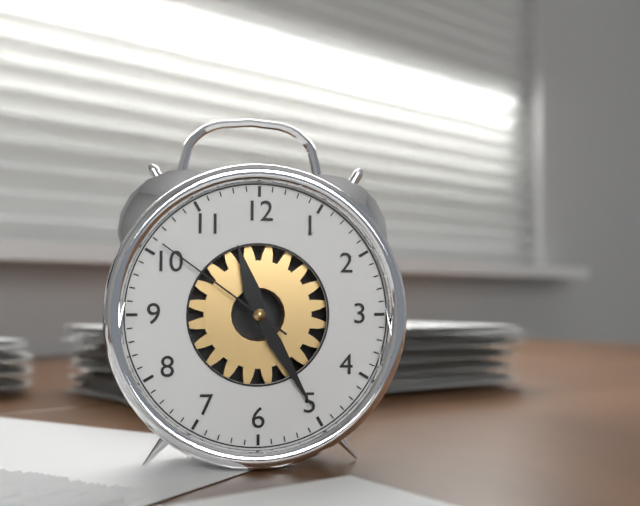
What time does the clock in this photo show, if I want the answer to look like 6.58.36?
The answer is 11.25.51
